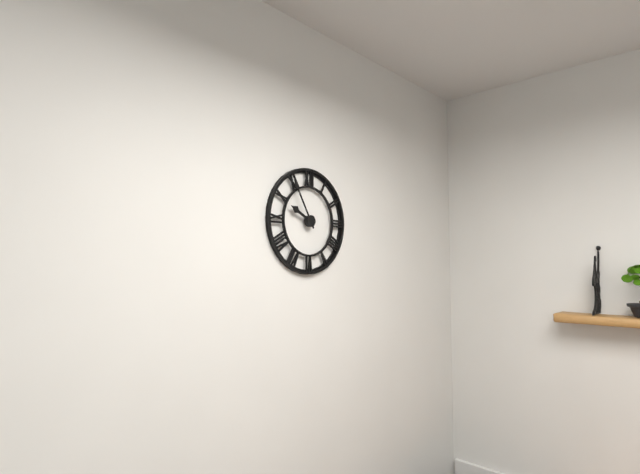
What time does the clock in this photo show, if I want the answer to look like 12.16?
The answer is 9.55
